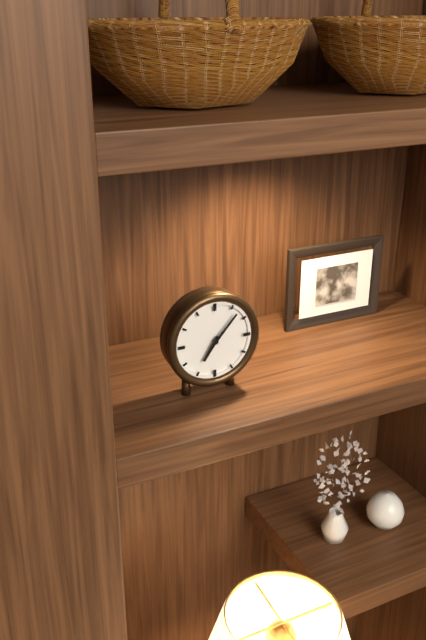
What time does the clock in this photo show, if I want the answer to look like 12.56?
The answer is 7.07
